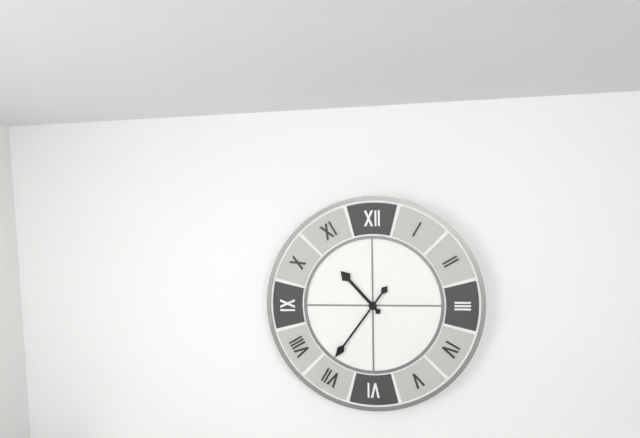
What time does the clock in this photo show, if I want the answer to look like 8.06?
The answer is 10.36
